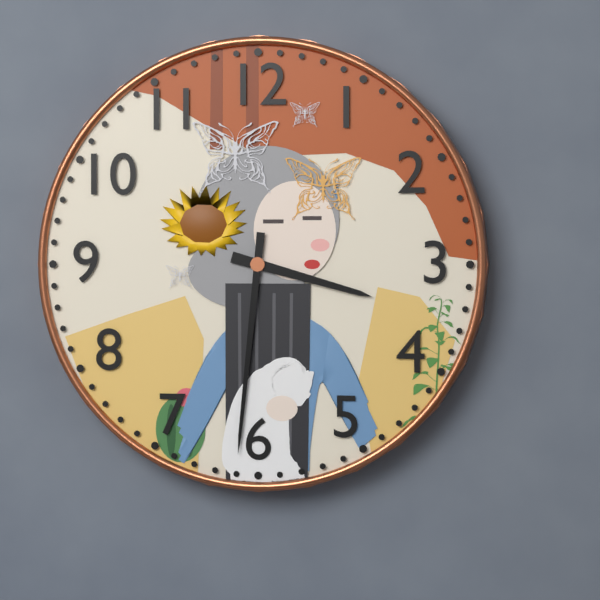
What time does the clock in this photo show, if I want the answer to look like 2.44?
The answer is 3.31
